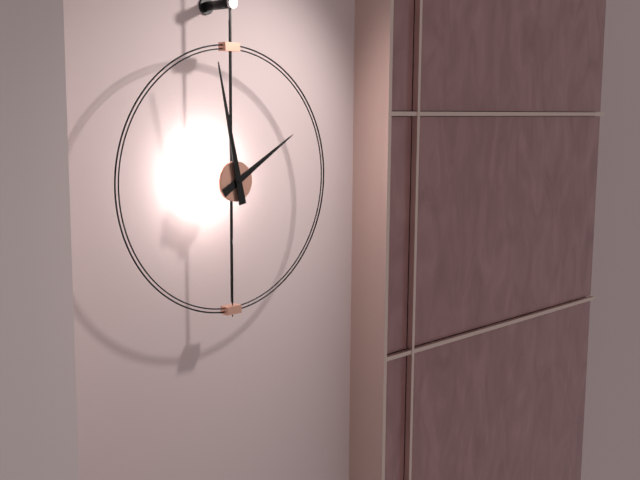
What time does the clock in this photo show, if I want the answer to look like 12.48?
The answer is 1.58
